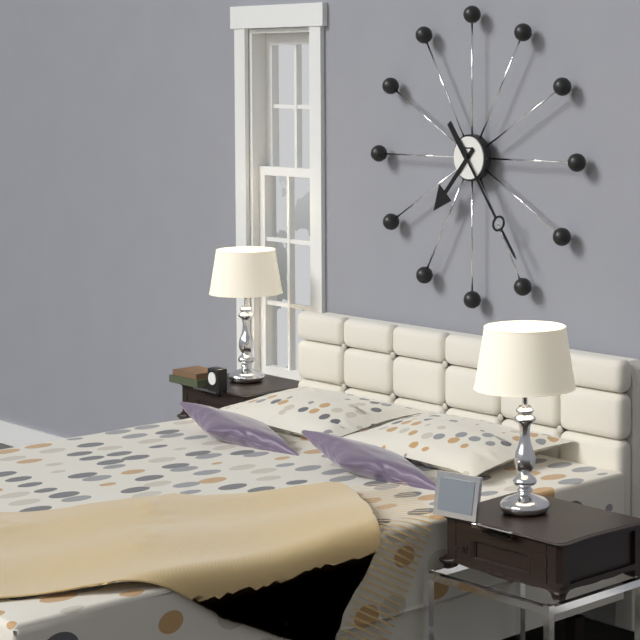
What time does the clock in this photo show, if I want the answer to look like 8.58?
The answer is 7.24
